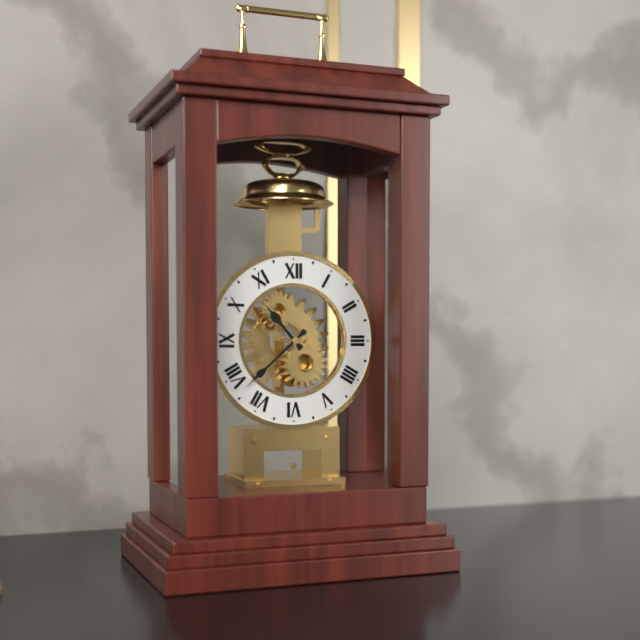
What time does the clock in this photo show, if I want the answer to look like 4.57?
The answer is 10.38
